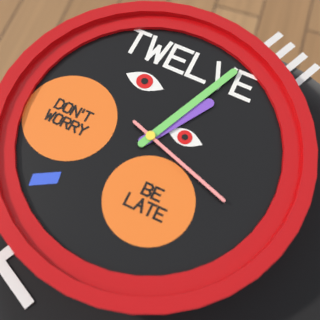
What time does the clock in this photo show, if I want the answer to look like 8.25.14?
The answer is 1.04.18
